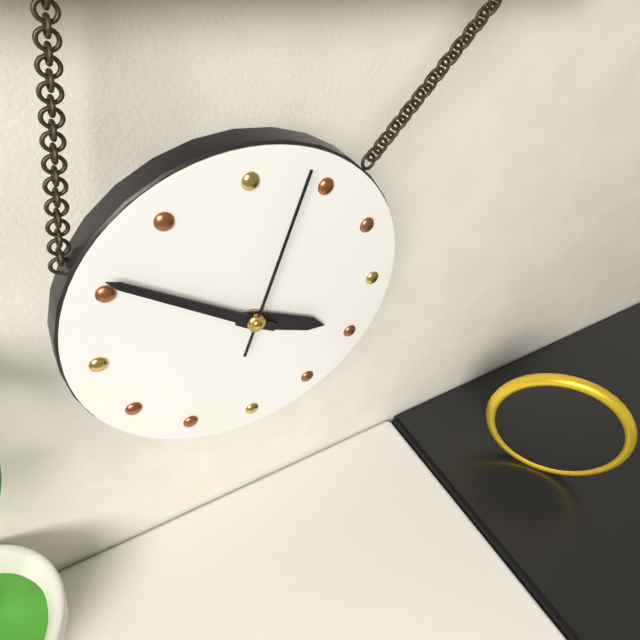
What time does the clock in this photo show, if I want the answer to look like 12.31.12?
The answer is 3.51.03
